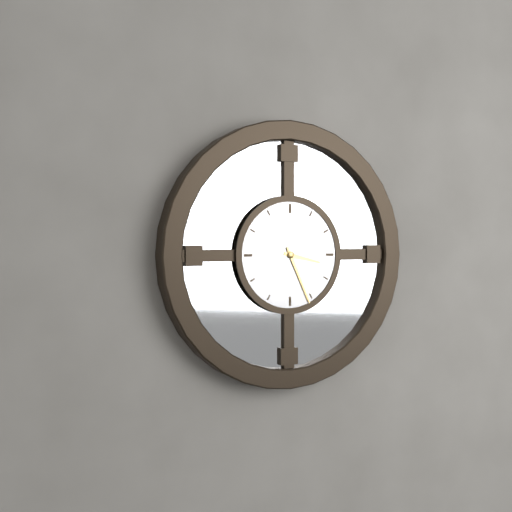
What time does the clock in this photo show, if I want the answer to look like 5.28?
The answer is 3.26
